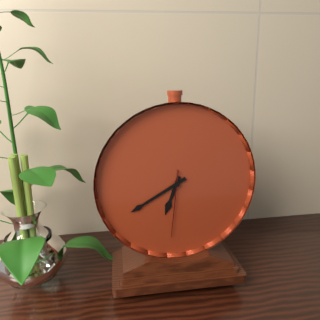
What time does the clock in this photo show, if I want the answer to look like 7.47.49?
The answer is 6.40.31
